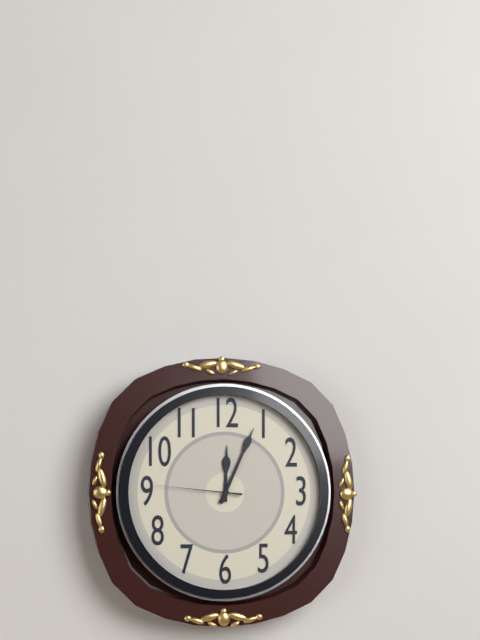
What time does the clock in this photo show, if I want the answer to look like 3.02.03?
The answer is 12.04.46
